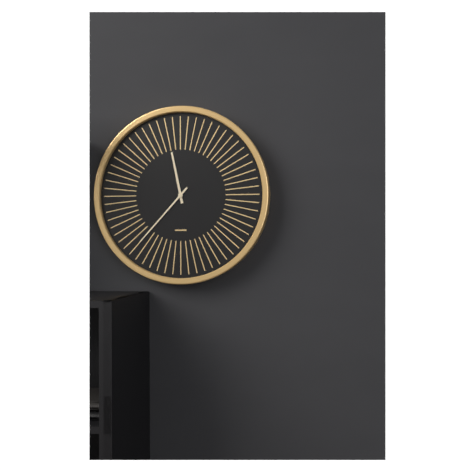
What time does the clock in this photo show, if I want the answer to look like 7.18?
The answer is 11.37
